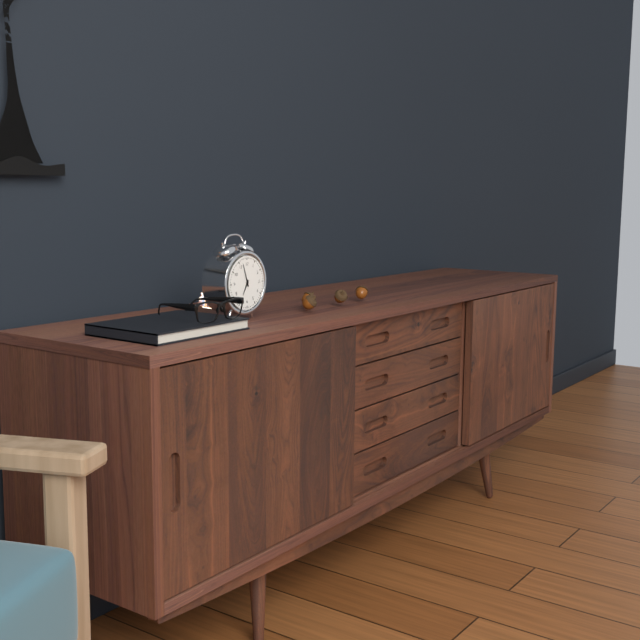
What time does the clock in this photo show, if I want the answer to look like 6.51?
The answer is 6.57
